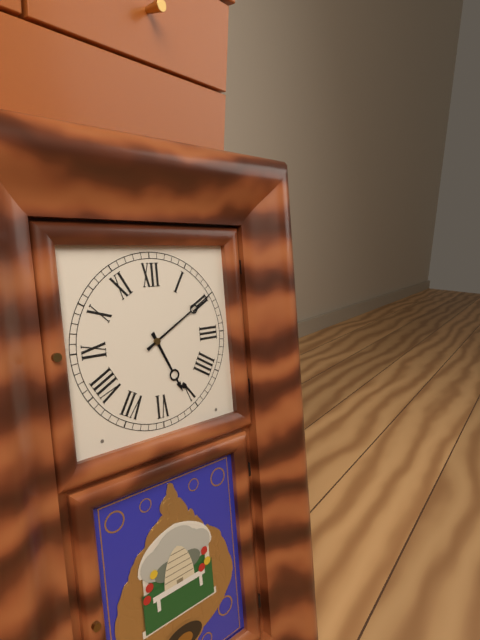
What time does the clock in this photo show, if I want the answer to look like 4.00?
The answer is 5.10
